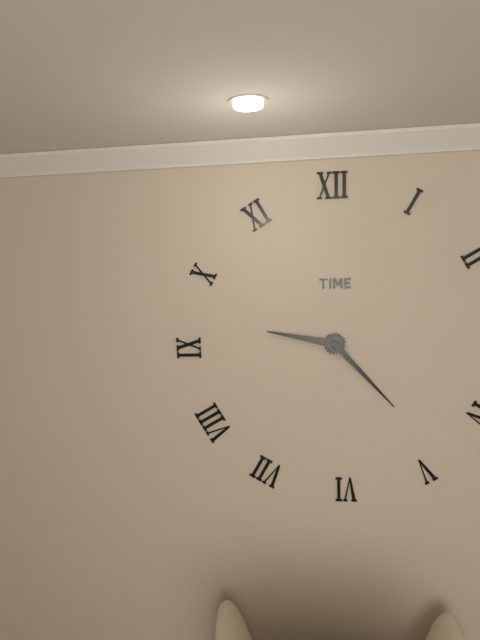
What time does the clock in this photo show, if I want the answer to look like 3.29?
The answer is 9.23
